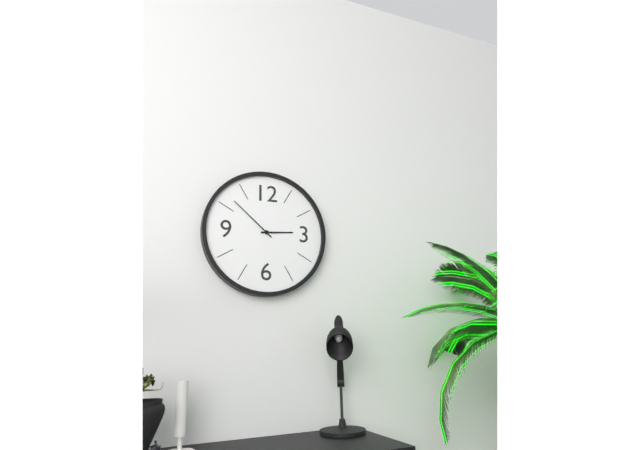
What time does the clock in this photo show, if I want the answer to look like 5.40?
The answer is 2.52
